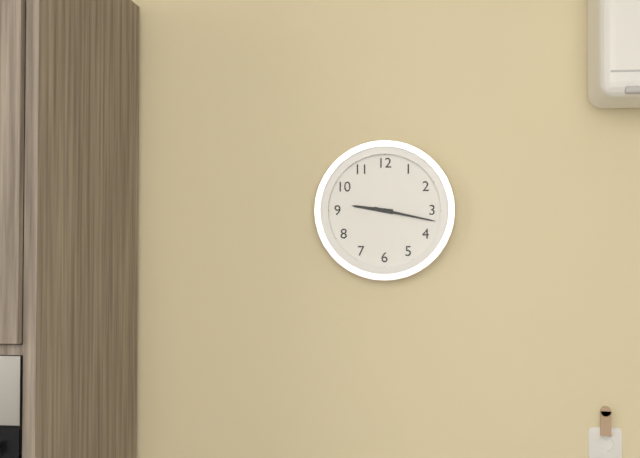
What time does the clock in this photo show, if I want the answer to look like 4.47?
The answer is 9.17
